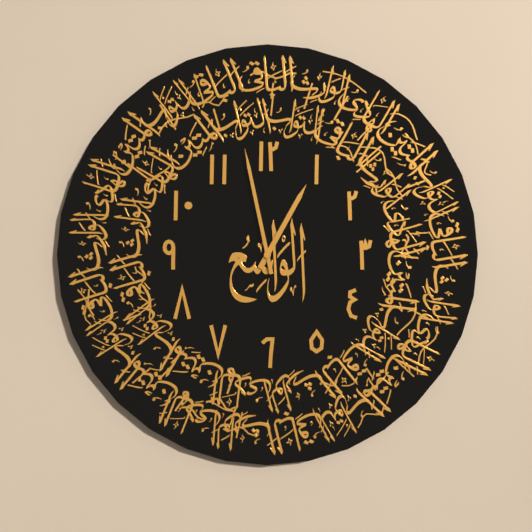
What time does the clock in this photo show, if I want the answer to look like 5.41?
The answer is 12.58
